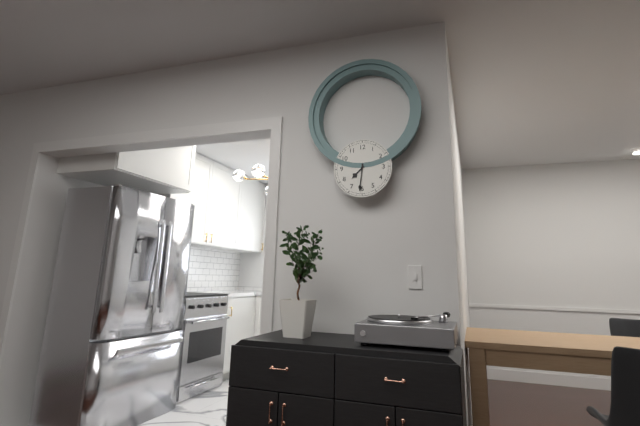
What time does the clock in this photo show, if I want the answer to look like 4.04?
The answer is 7.31
